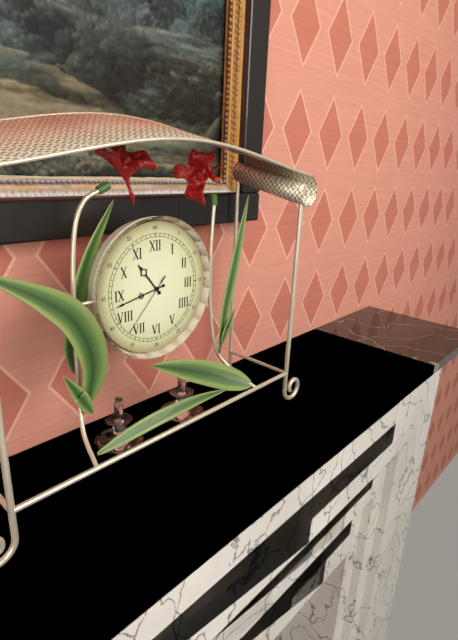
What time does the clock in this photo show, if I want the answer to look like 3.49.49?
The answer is 10.43.37
